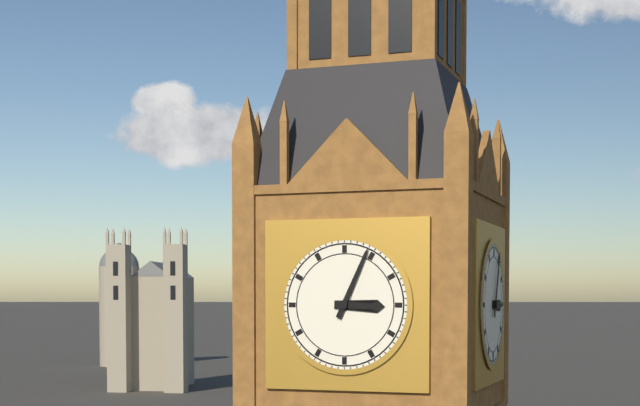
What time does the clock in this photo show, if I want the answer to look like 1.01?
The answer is 3.04
